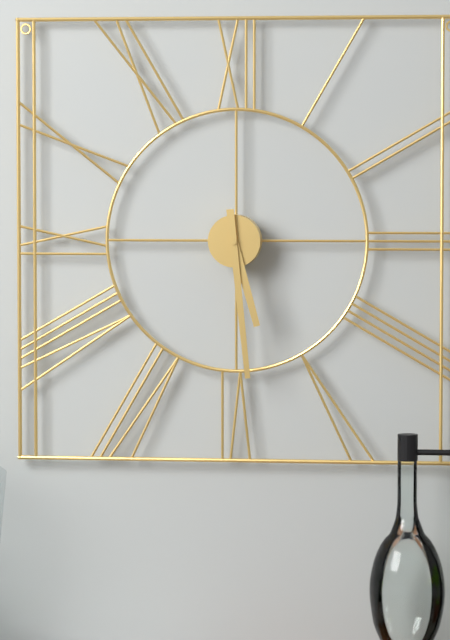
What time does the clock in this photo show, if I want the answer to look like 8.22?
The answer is 5.29
